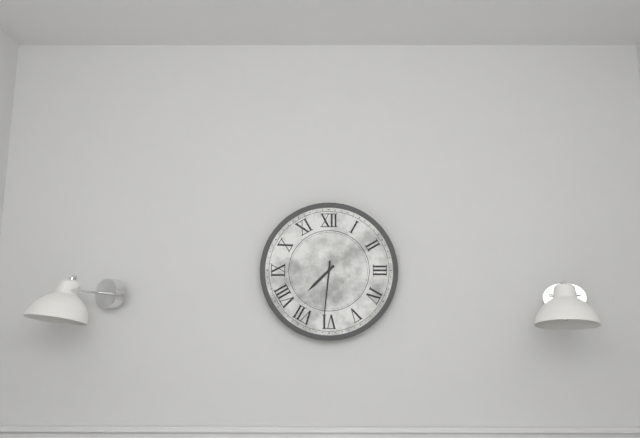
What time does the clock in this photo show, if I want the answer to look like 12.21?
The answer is 7.31
